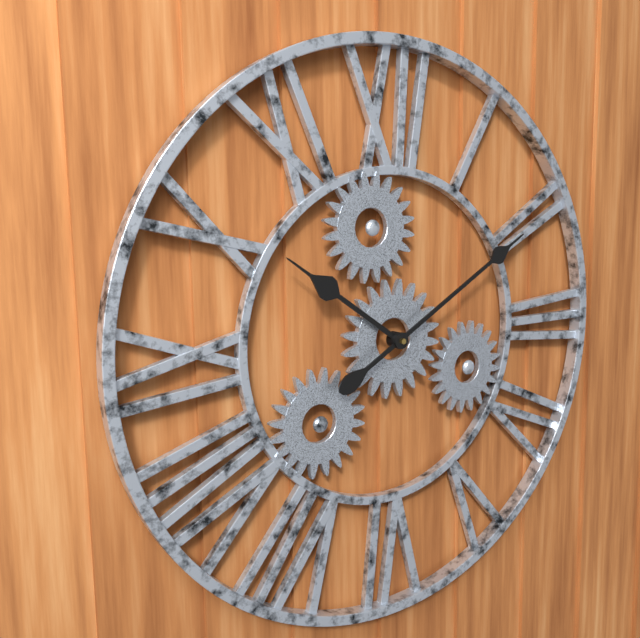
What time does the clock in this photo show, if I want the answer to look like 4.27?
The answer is 10.10
